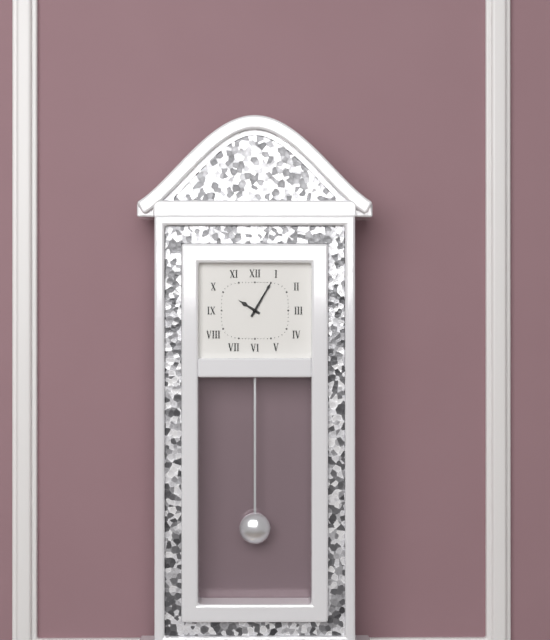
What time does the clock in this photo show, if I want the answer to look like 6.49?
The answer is 10.05
